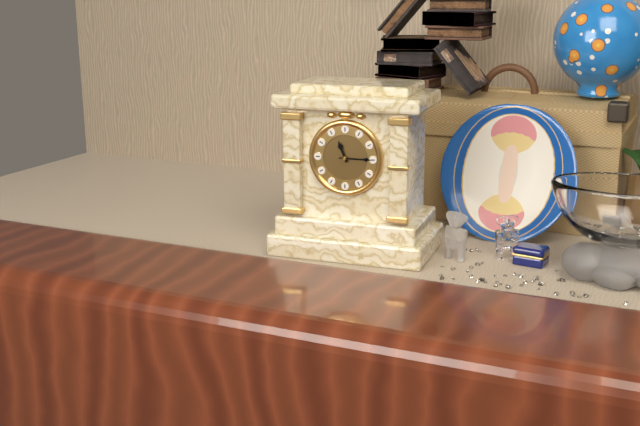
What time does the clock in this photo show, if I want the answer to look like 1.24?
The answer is 11.15
